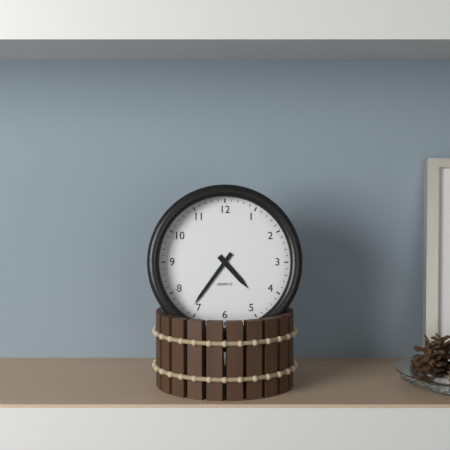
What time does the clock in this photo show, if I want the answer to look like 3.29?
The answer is 4.36
